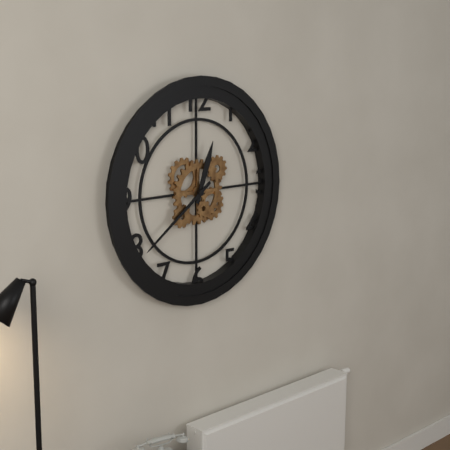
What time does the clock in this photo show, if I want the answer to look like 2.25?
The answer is 12.39
